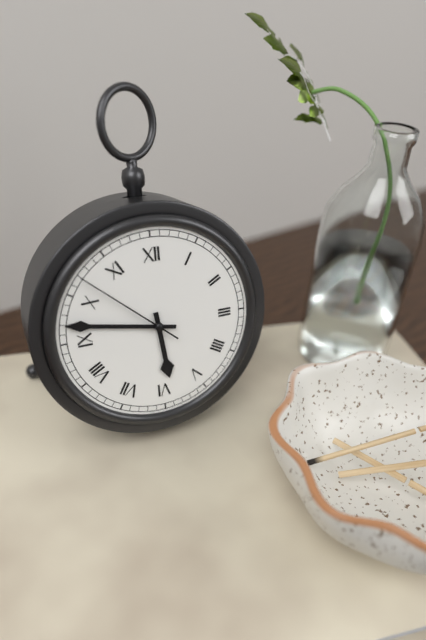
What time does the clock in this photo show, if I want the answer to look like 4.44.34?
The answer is 5.47.52
